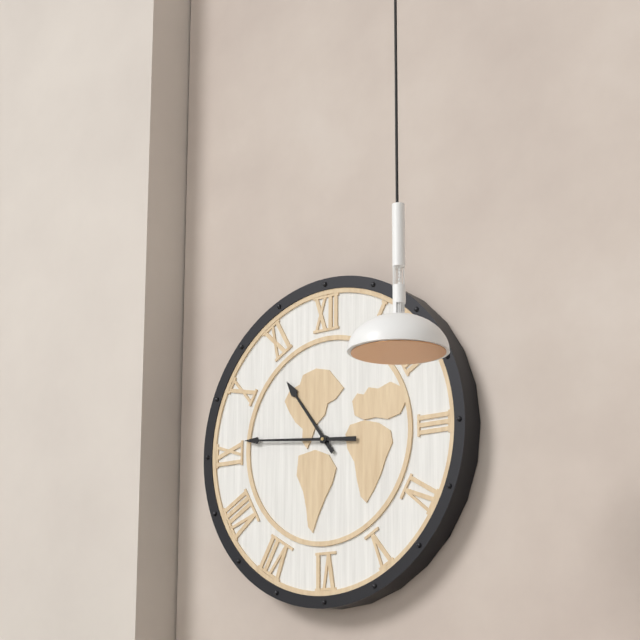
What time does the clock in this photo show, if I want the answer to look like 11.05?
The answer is 10.46
